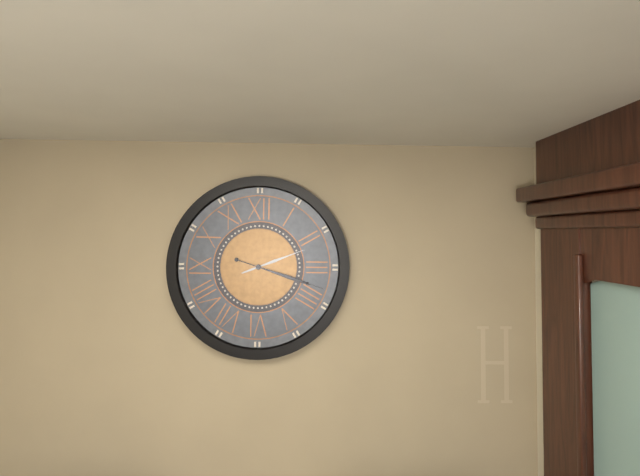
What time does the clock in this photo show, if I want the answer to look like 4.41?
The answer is 2.18
